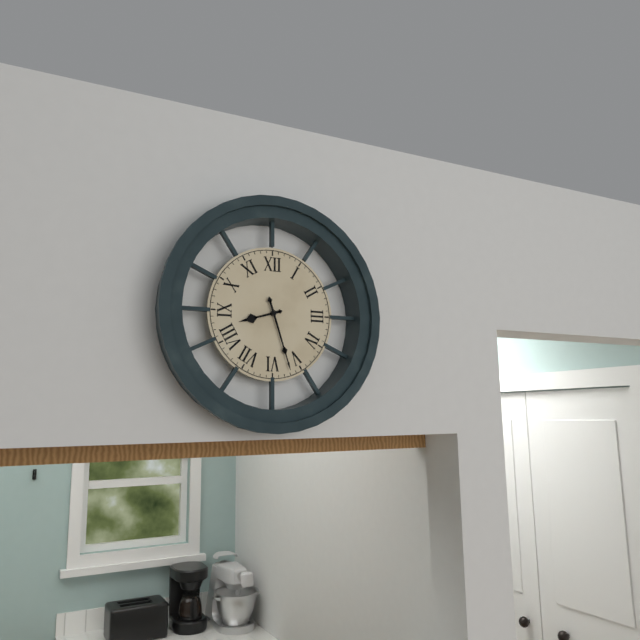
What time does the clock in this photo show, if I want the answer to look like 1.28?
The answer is 8.27
